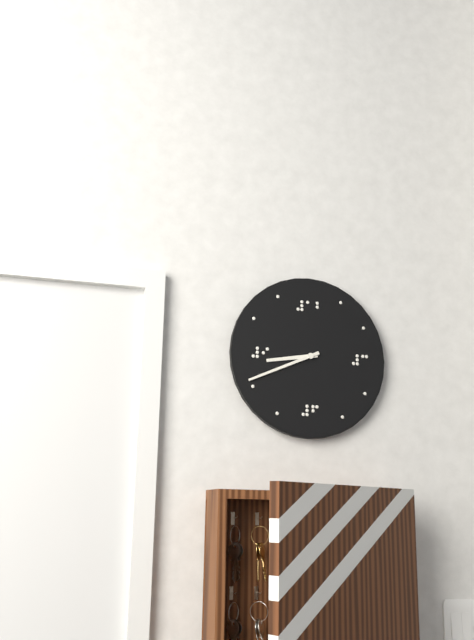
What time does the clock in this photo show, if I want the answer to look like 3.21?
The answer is 8.41
